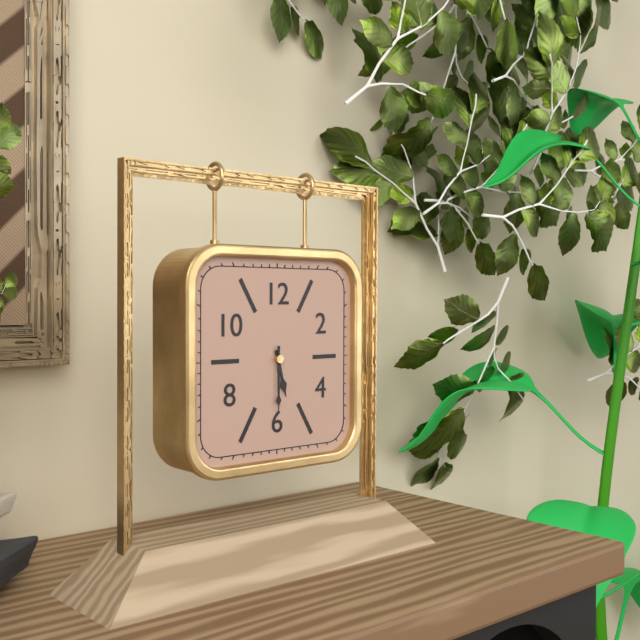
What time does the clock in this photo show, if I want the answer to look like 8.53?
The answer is 5.30
